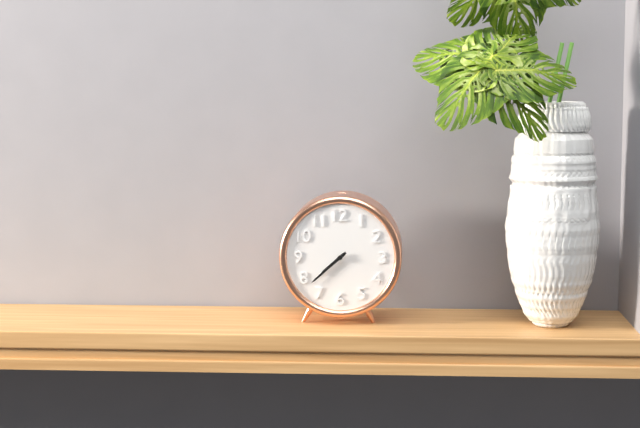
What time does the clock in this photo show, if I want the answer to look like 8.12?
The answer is 7.38
